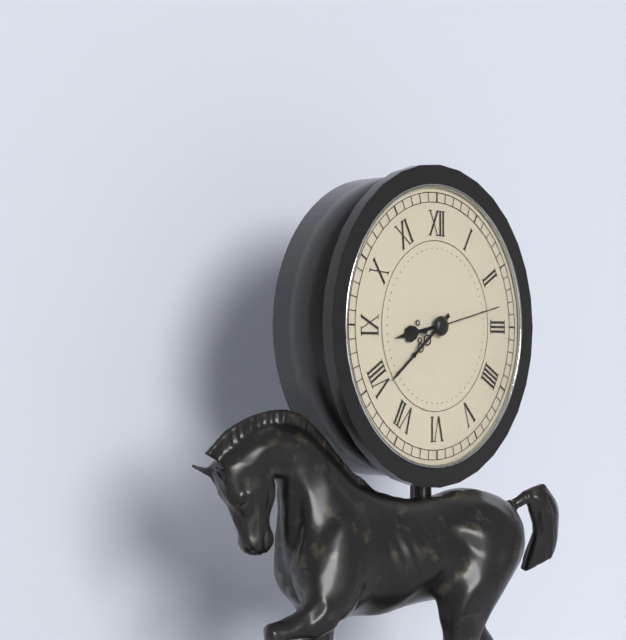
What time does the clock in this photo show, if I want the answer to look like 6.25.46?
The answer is 8.39.13
